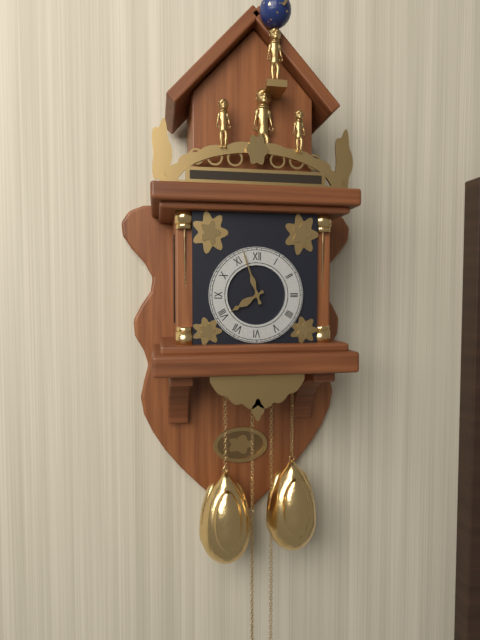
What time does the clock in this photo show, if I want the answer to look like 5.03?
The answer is 7.57
